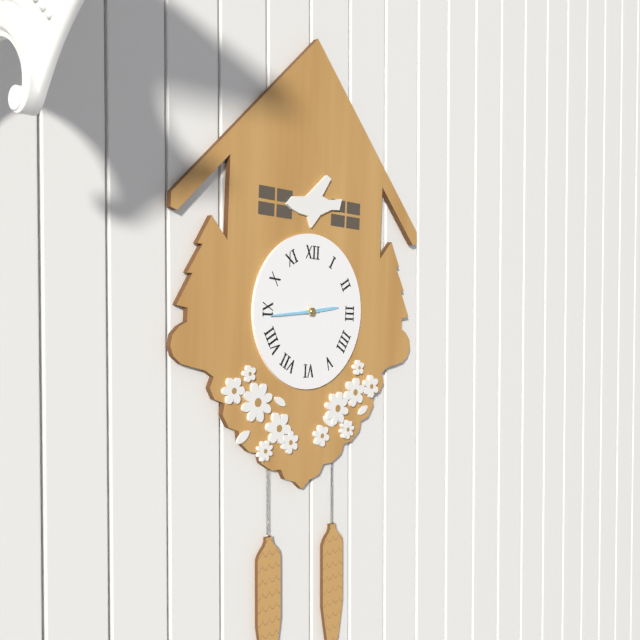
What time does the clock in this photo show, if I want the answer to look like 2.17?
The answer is 2.44
